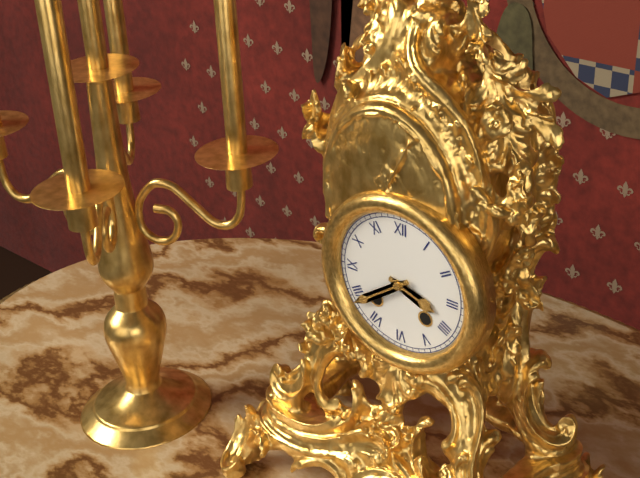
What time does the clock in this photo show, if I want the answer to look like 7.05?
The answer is 3.39
